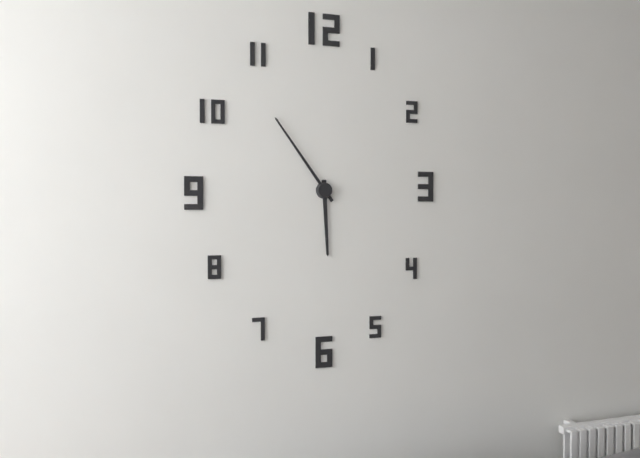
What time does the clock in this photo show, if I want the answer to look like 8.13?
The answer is 5.54
